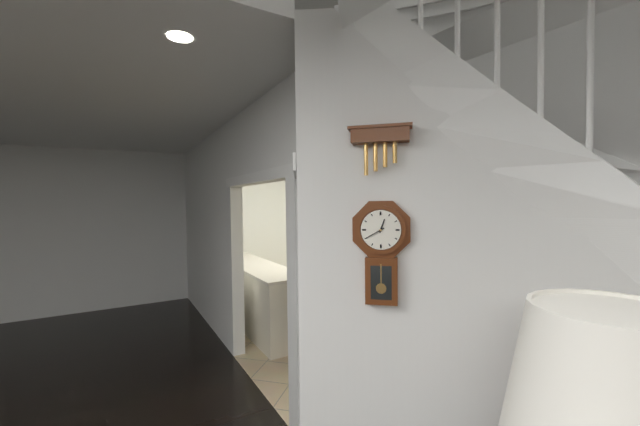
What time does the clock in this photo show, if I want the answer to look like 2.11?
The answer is 12.40
